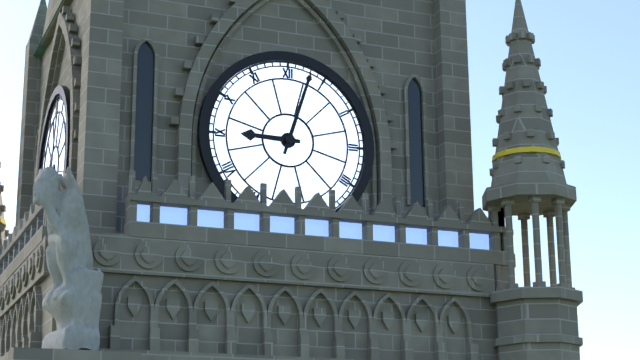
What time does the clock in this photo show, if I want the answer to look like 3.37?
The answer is 9.03
